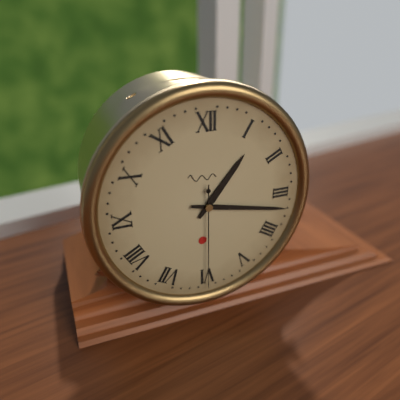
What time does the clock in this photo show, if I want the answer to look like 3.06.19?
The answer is 1.17.30
